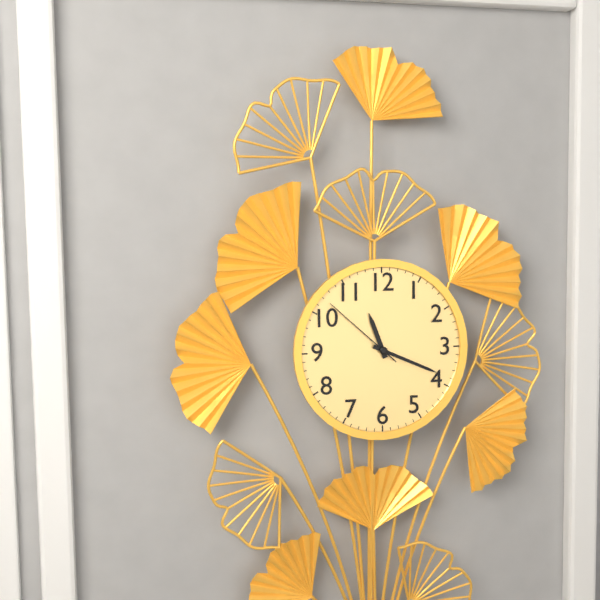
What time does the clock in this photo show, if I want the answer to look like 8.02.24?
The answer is 11.19.52
